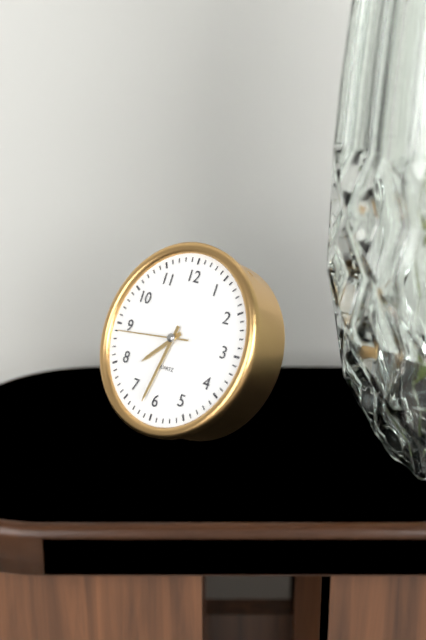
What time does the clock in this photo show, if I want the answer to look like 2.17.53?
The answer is 7.32.44
